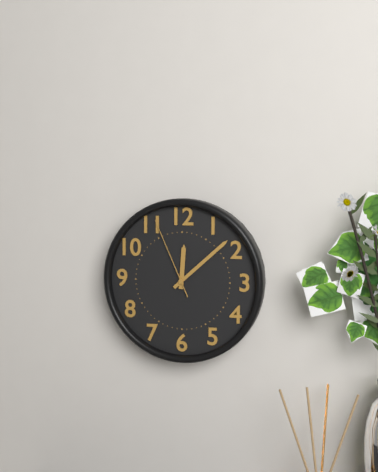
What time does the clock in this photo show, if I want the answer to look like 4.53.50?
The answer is 12.08.56
